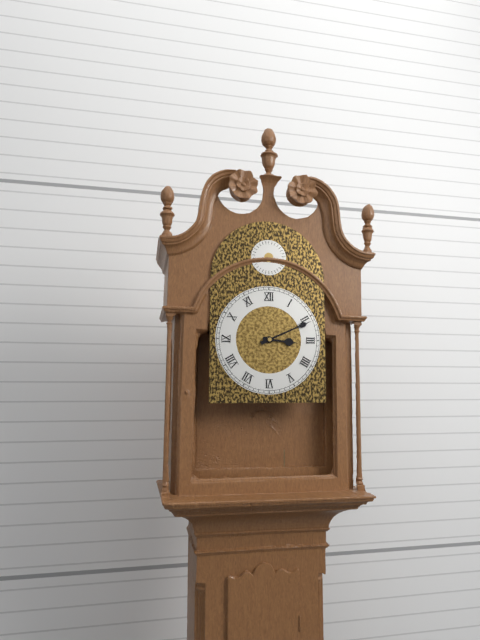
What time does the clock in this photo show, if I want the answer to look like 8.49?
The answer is 3.11
